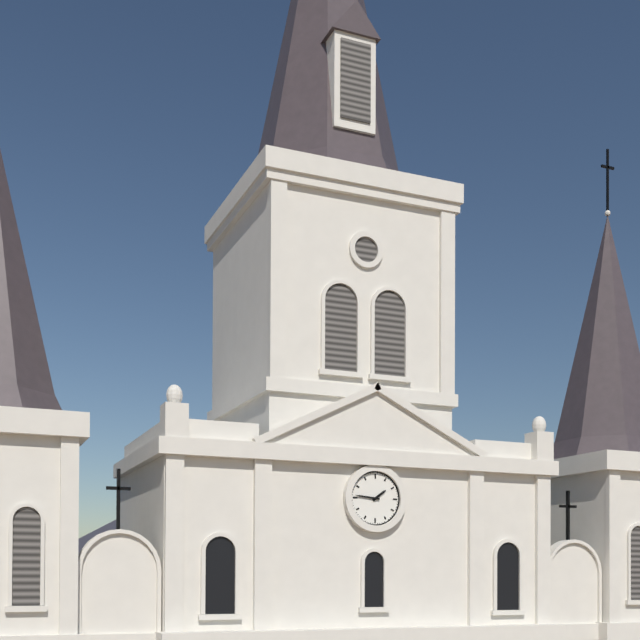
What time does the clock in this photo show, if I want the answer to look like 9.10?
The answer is 1.46
